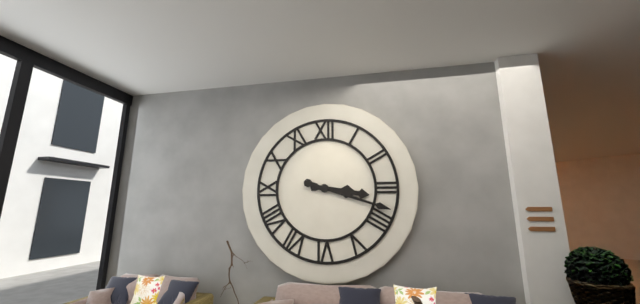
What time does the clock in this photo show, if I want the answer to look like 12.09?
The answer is 3.18
